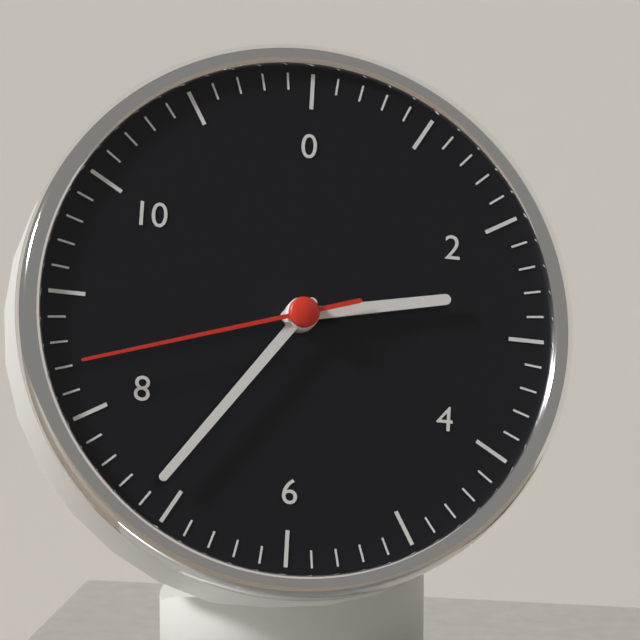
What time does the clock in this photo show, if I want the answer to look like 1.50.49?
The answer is 2.36.42
